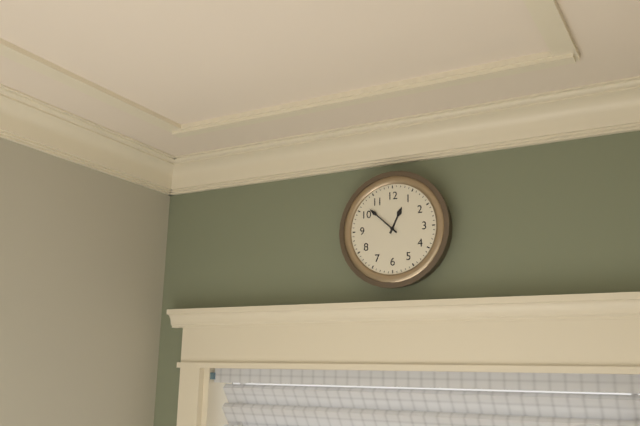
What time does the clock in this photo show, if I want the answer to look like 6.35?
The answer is 12.52
